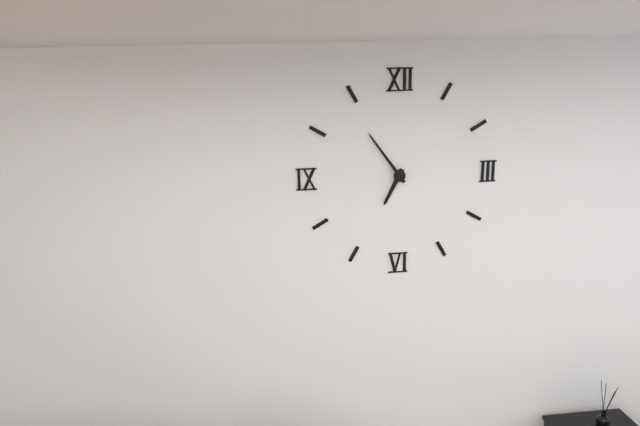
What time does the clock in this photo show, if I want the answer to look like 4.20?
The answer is 6.54
